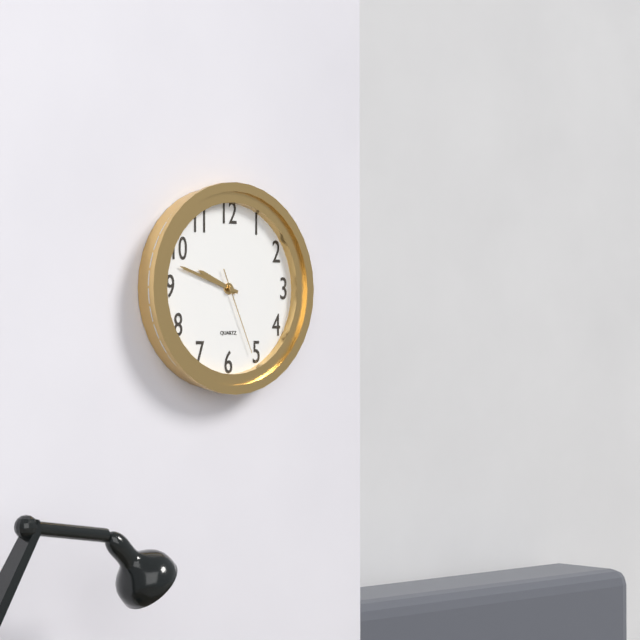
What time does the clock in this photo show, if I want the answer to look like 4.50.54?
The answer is 9.48.26
